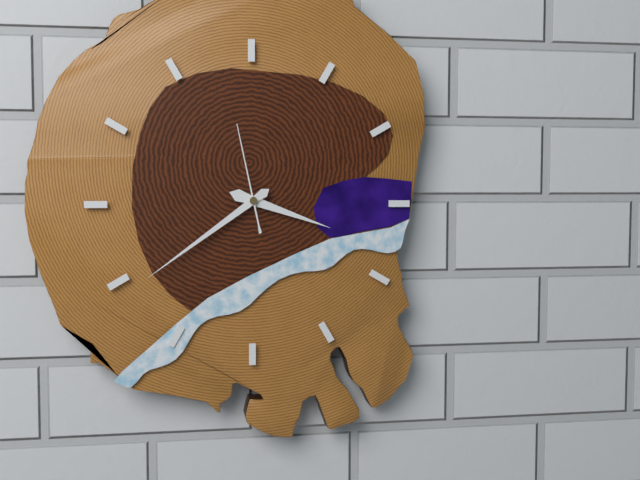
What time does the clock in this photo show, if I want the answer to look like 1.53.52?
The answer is 3.39.58
